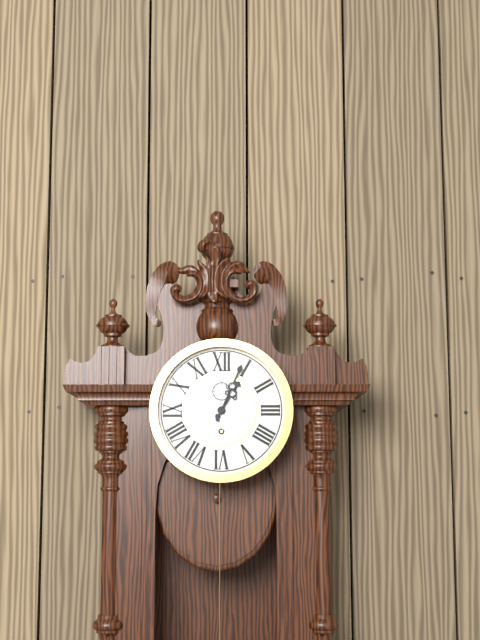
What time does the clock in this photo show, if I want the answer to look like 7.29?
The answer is 1.04
